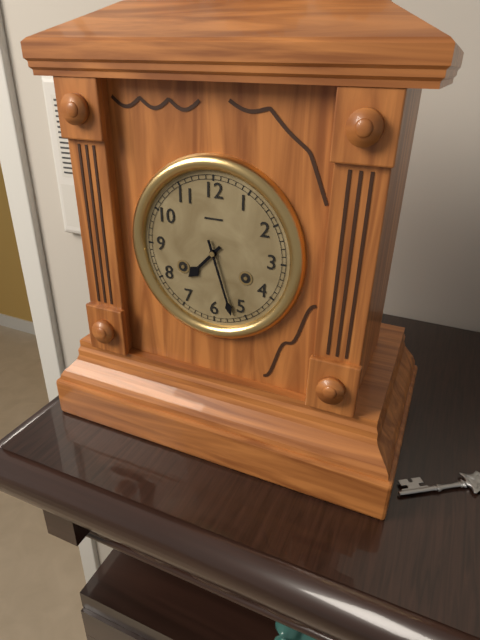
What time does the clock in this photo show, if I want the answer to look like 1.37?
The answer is 7.27
